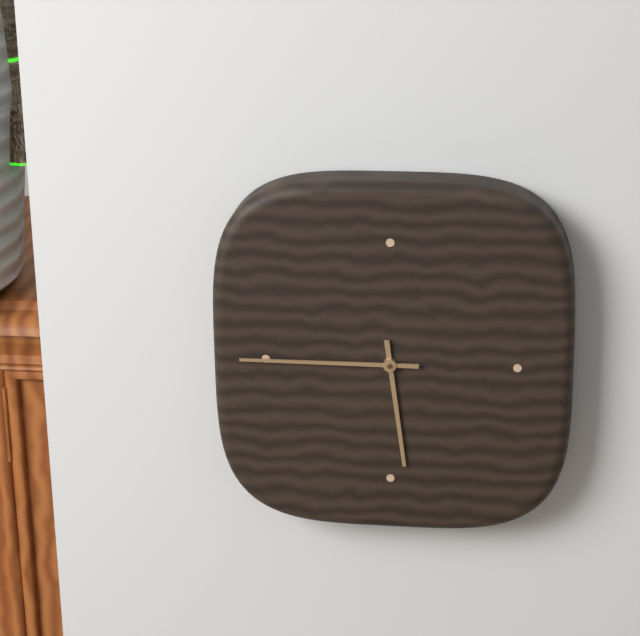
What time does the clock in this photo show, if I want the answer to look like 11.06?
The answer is 5.45
